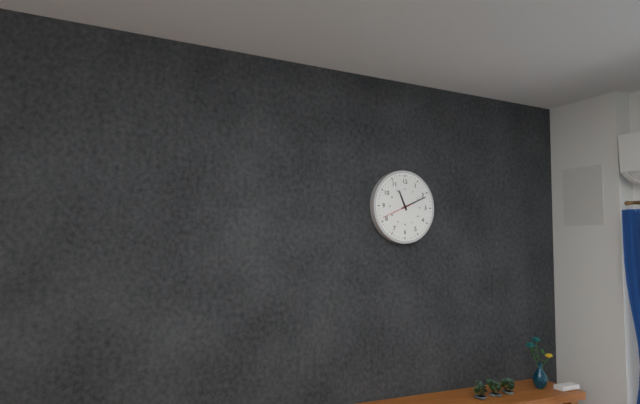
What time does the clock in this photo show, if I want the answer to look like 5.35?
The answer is 11.11
